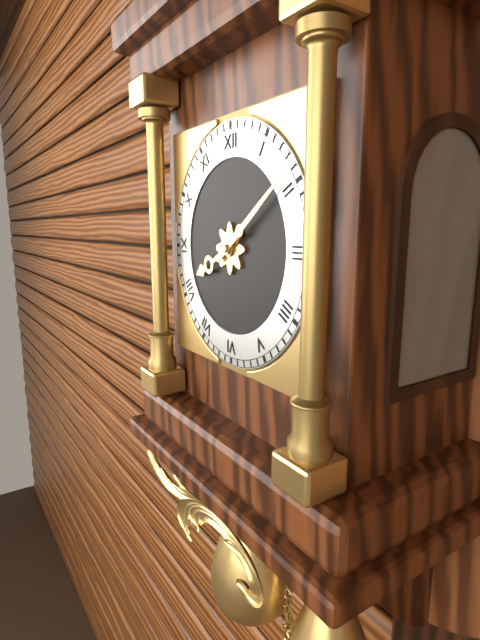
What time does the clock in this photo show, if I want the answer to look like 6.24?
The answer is 8.09
